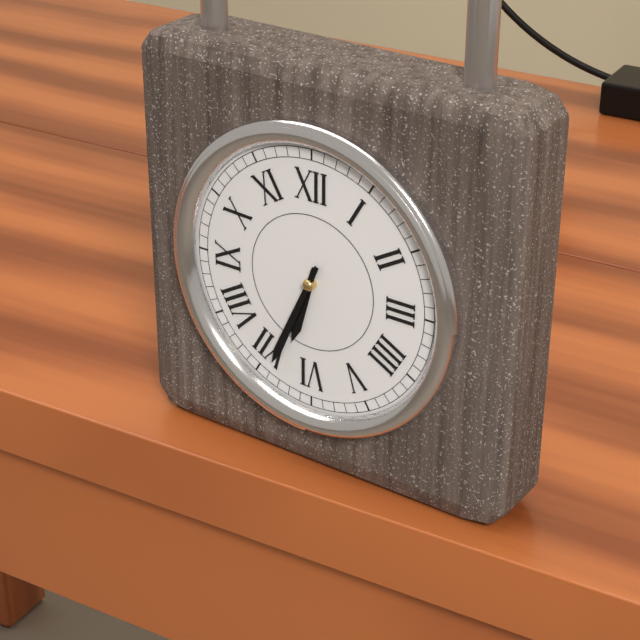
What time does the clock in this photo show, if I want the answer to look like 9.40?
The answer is 6.34
